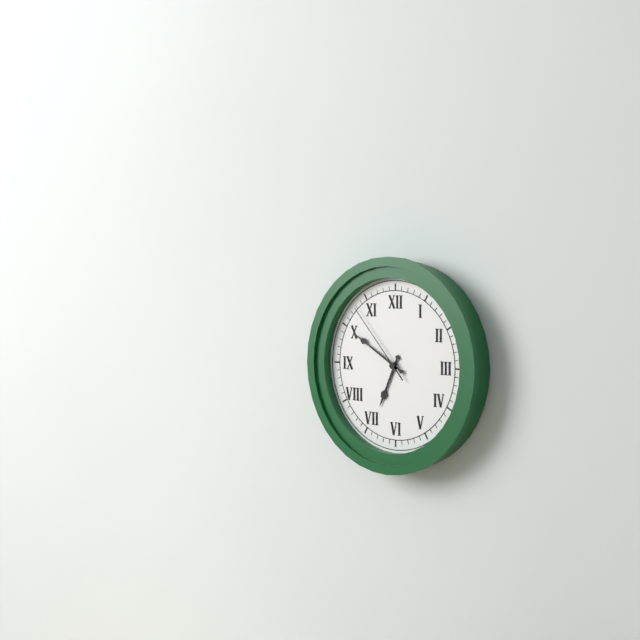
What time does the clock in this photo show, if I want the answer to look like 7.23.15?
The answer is 6.50.53
